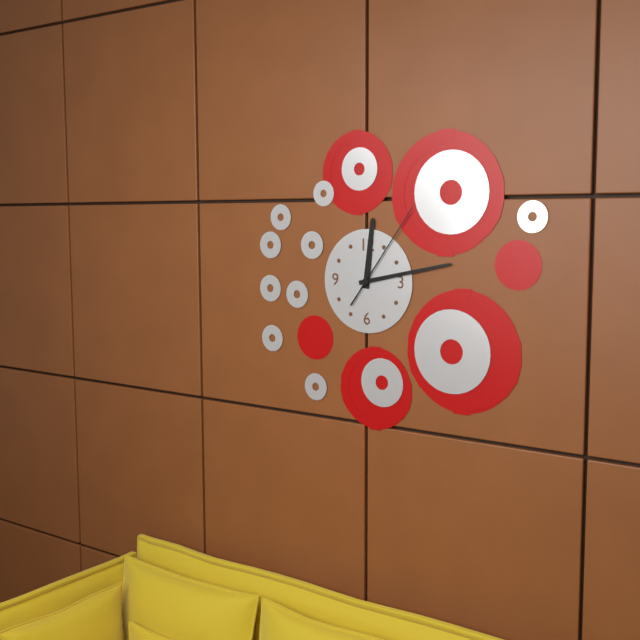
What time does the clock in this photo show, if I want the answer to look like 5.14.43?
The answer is 12.13.06
